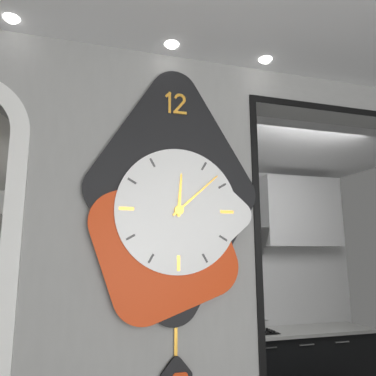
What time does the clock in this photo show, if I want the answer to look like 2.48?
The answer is 12.08
